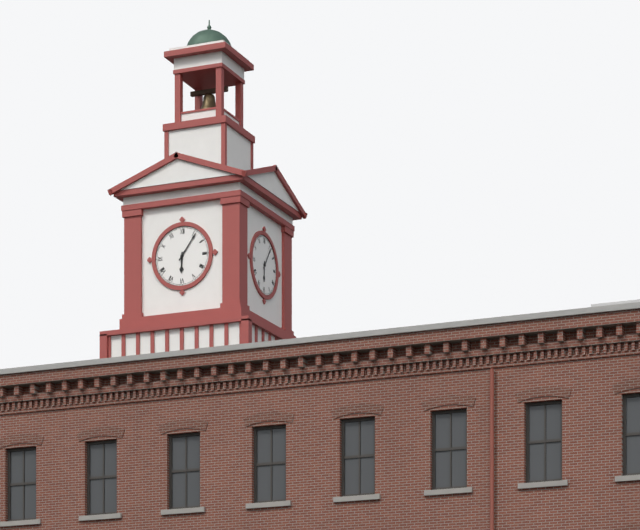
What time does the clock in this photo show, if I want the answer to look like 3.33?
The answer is 6.06
